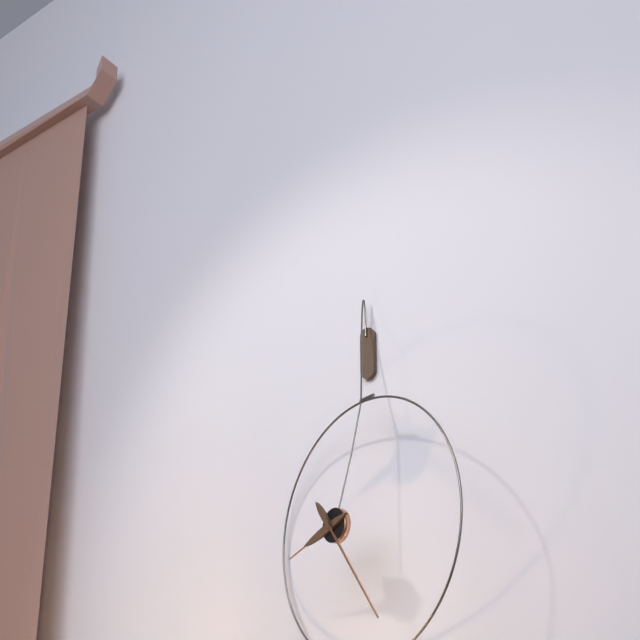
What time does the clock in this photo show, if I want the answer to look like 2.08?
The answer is 8.24
